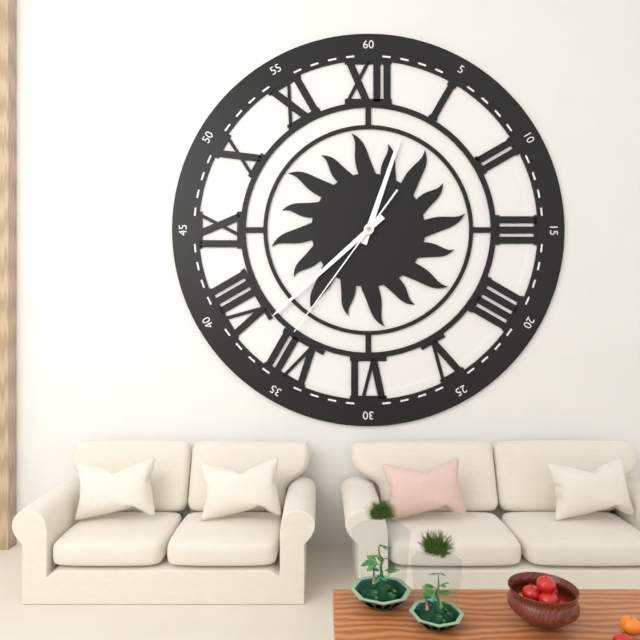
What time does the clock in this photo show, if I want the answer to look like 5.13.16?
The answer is 12.38.36
